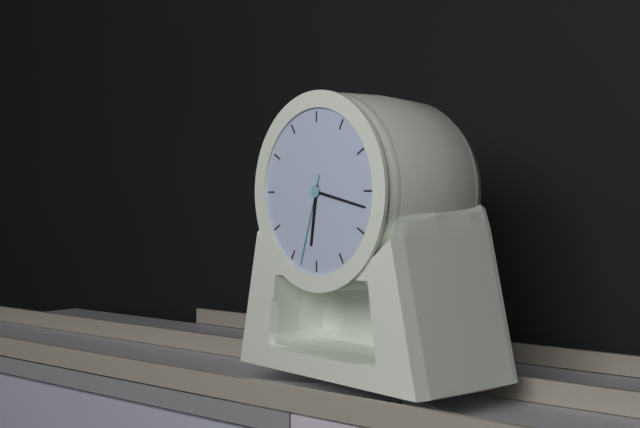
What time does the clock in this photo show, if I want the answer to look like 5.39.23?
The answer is 6.17.33
